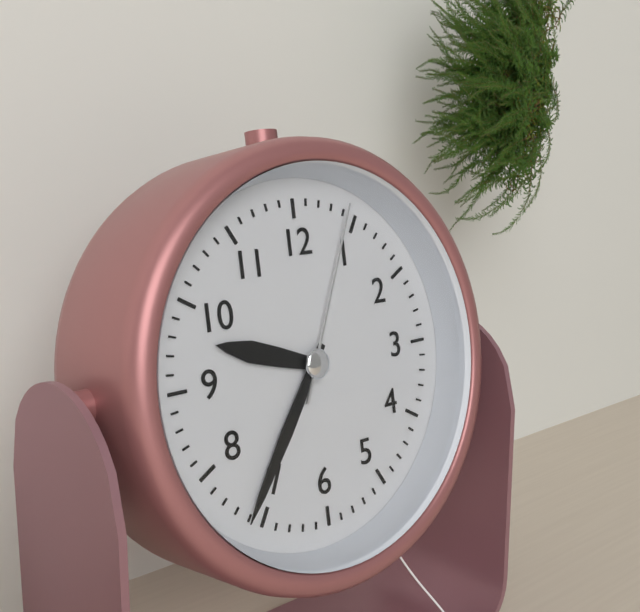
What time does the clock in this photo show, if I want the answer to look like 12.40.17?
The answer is 9.36.04
